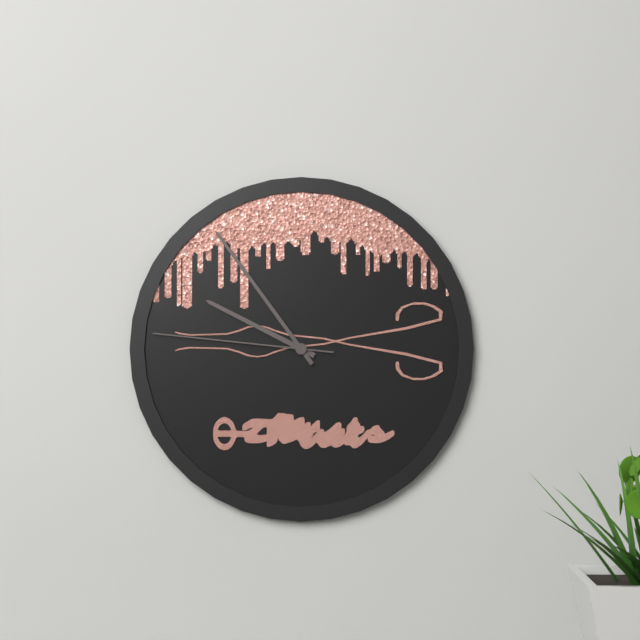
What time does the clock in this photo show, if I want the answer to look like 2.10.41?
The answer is 9.54.46
